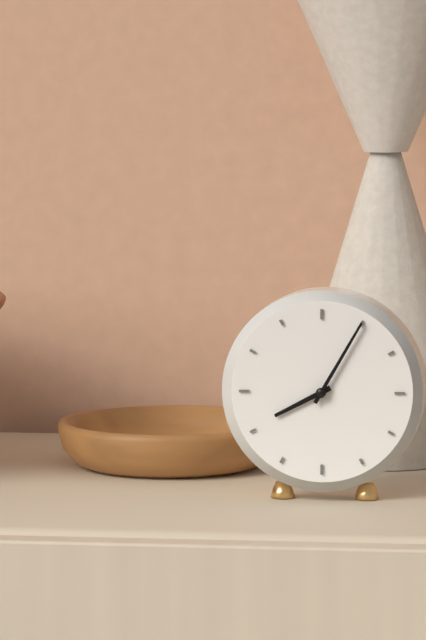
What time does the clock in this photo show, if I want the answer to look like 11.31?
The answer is 8.05
